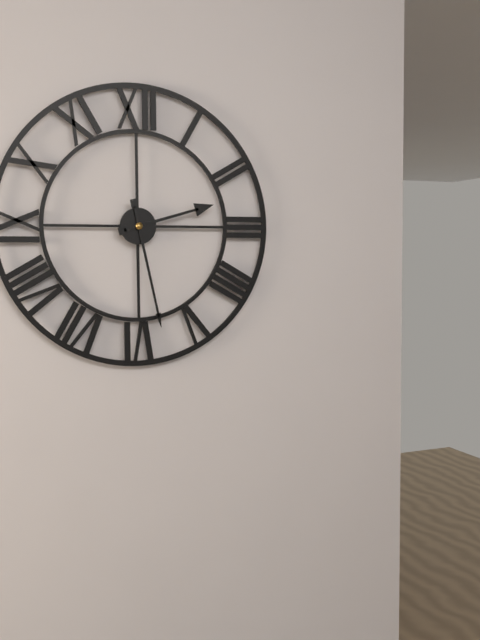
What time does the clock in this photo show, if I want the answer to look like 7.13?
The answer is 2.28
